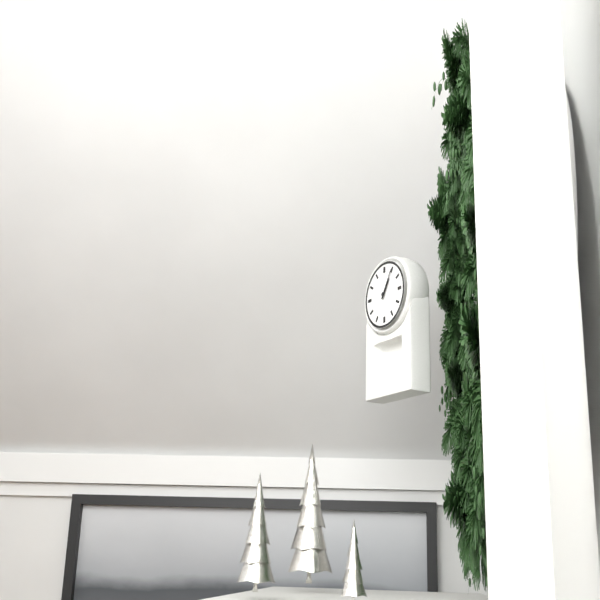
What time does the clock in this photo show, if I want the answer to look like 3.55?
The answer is 1.05
